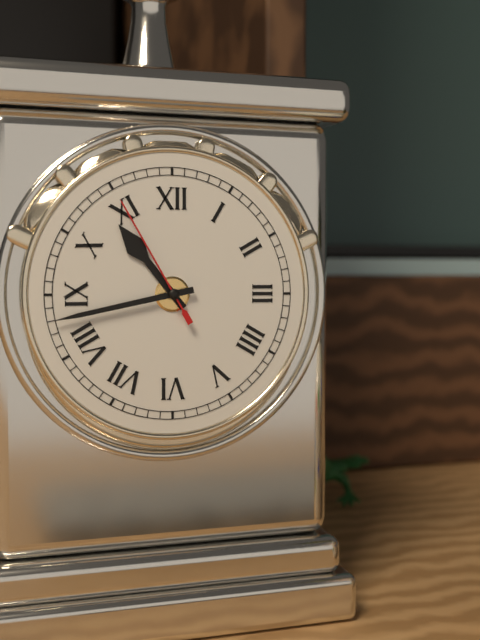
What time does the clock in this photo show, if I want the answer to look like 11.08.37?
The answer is 10.43.55
